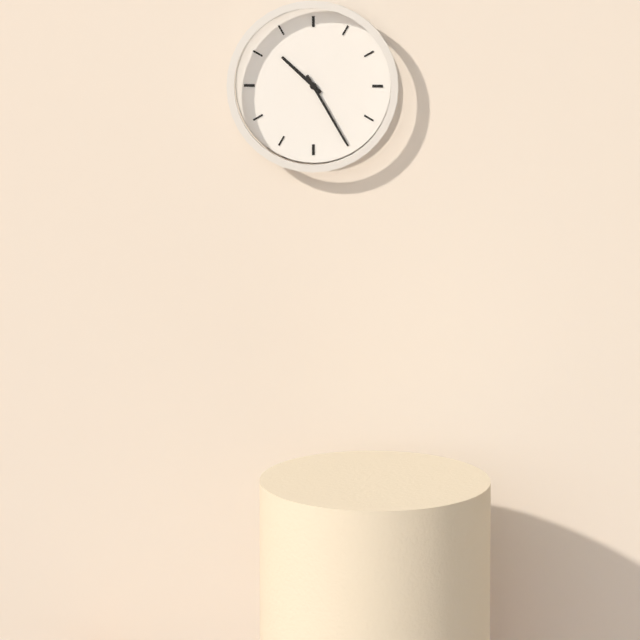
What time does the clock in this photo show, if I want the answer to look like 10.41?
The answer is 10.25
